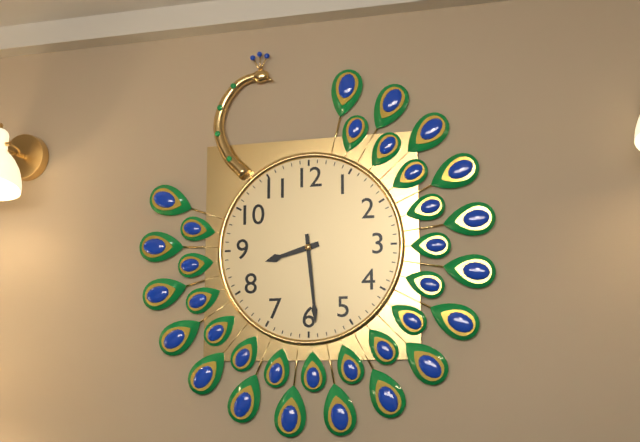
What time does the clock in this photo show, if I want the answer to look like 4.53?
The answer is 8.29
